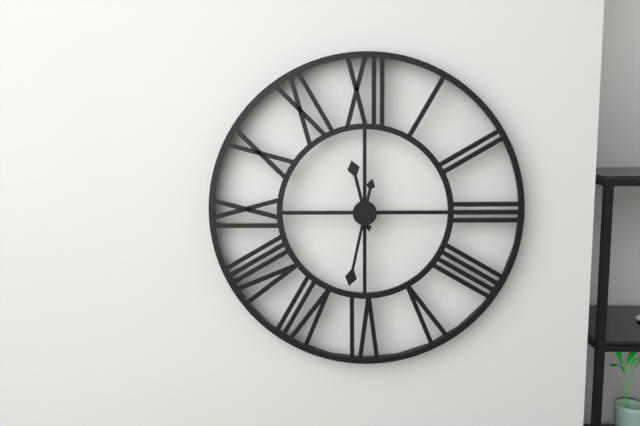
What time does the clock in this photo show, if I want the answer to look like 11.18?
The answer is 11.32
